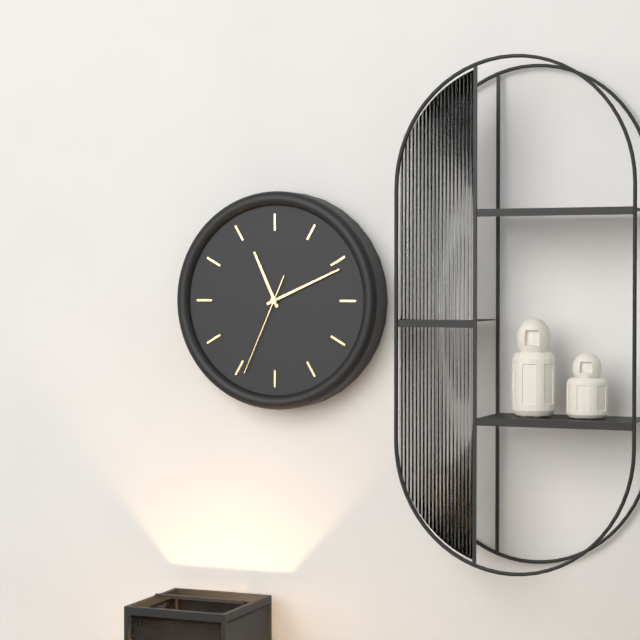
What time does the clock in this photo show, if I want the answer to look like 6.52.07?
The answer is 11.11.34
